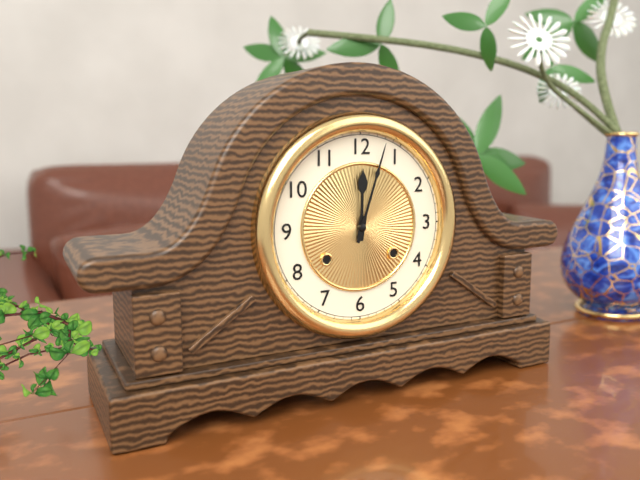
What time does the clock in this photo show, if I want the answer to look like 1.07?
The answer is 12.03
